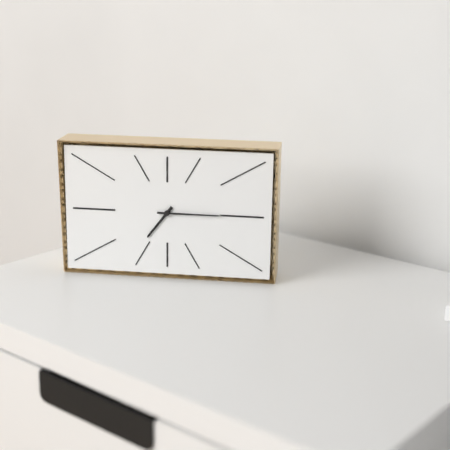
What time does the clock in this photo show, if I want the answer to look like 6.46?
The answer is 7.15
